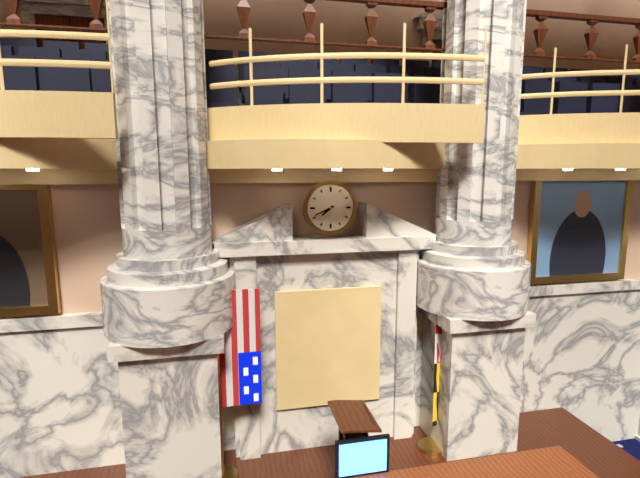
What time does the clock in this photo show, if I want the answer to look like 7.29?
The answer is 7.41
